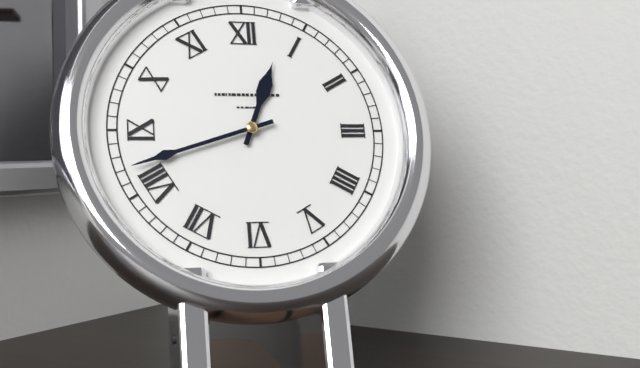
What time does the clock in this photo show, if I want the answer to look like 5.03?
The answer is 12.42
